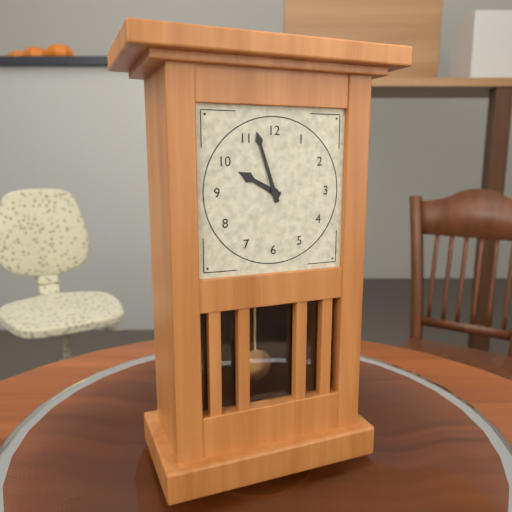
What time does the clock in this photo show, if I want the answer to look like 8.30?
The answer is 9.57
